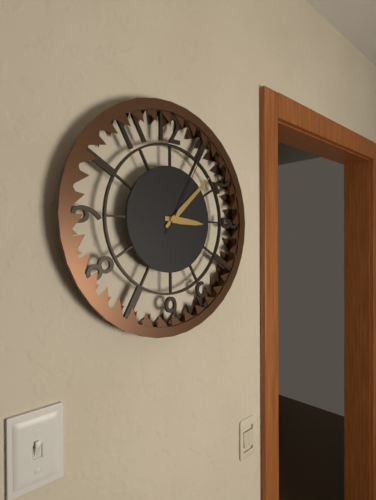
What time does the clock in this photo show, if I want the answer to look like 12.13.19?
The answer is 3.08.05
